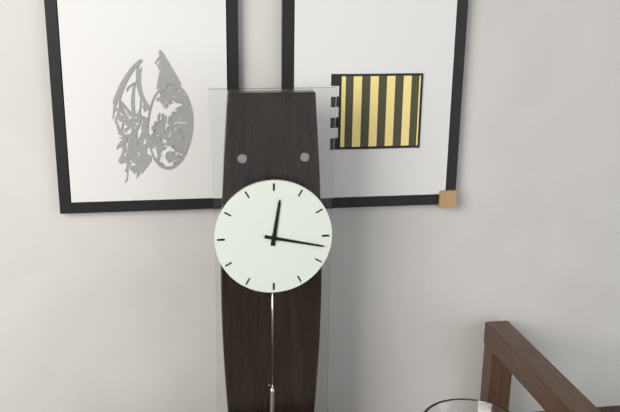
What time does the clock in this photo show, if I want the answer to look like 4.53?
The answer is 12.17
